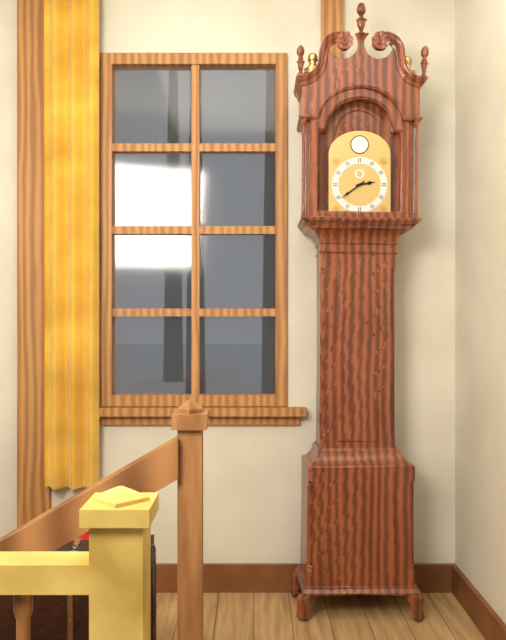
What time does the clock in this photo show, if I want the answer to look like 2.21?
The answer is 2.39
